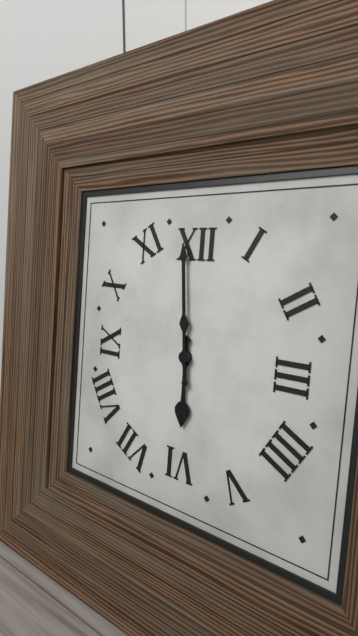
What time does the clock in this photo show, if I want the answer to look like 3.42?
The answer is 5.59
